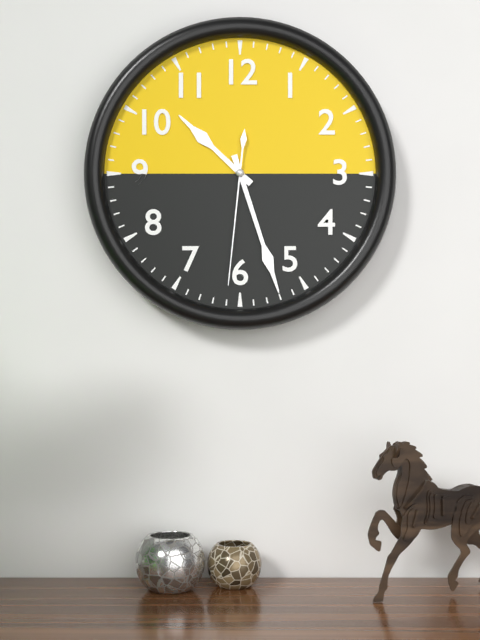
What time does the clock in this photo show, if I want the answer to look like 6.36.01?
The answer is 10.27.31
